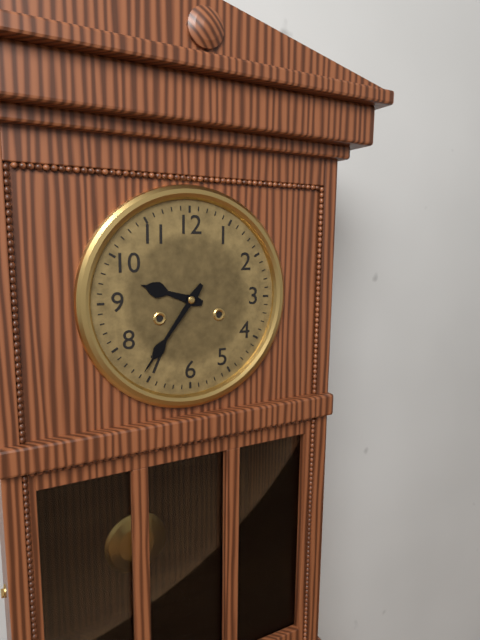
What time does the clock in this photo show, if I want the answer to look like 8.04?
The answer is 9.36
